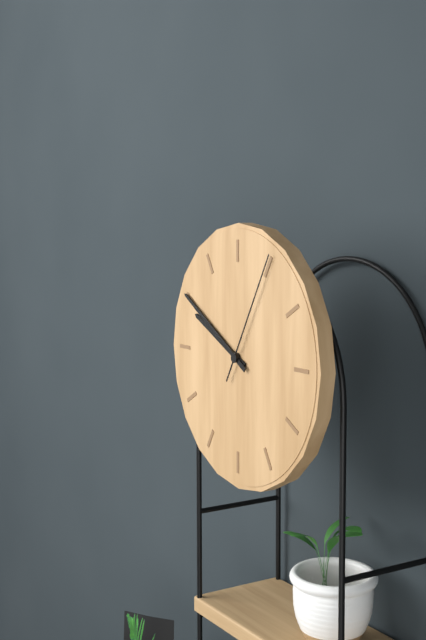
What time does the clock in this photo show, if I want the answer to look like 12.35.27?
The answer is 9.50.05
